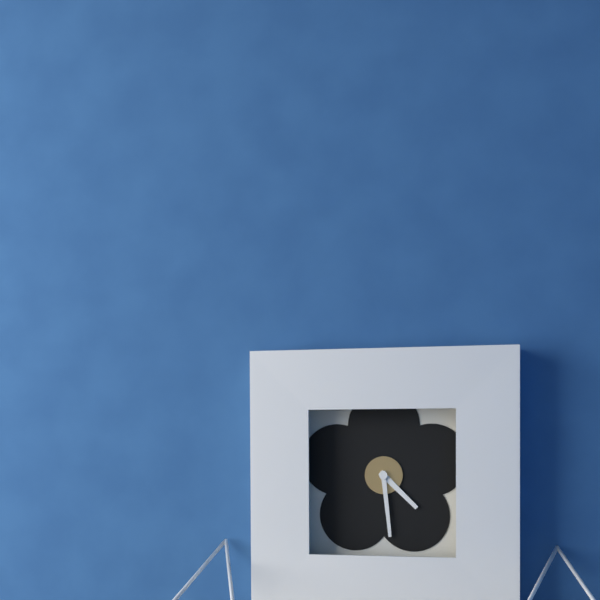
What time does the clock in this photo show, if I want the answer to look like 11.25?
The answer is 4.29
